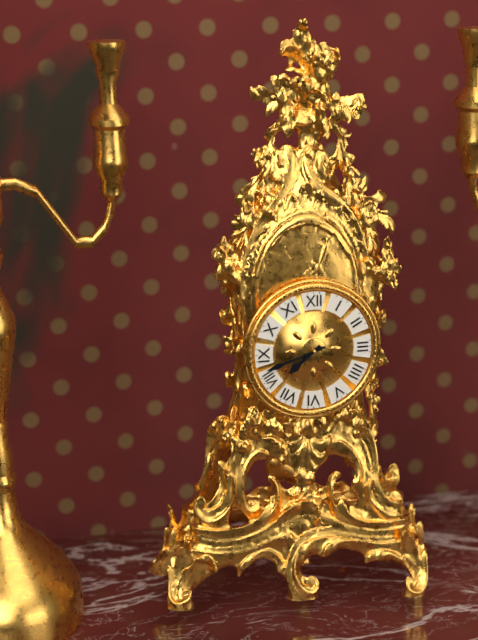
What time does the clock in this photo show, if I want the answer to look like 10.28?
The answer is 7.42
